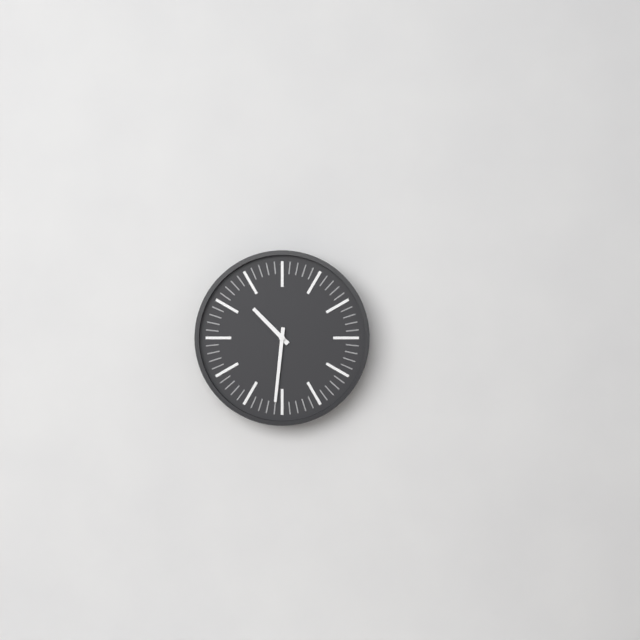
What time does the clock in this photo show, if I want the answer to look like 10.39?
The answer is 10.31
